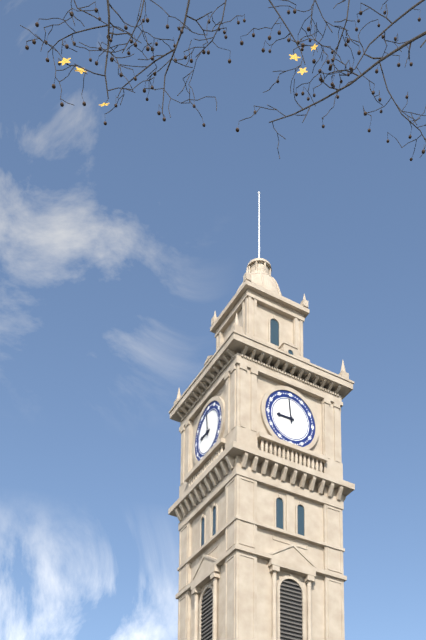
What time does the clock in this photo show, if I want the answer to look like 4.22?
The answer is 8.59
